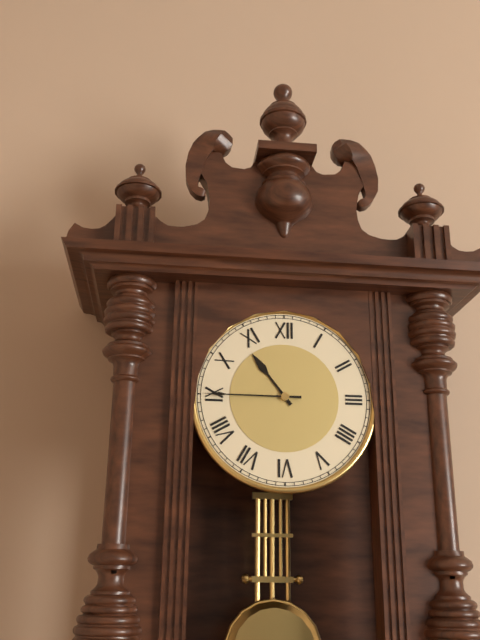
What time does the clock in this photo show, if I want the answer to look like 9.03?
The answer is 10.45
